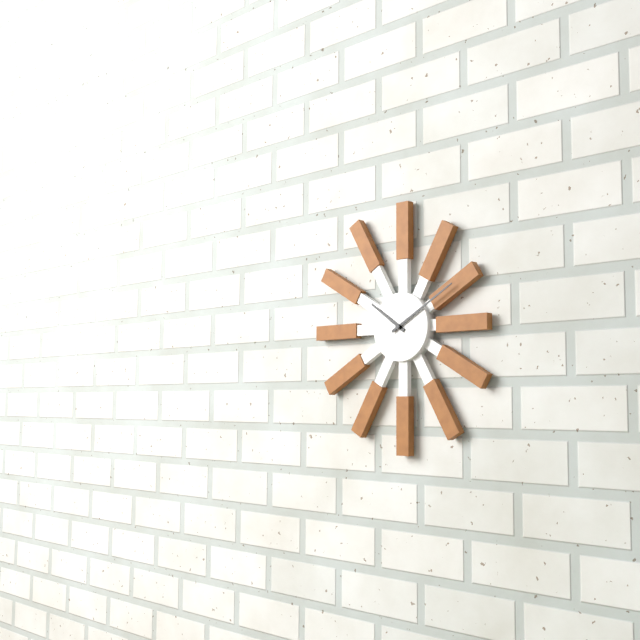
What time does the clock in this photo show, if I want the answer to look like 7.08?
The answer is 10.10
